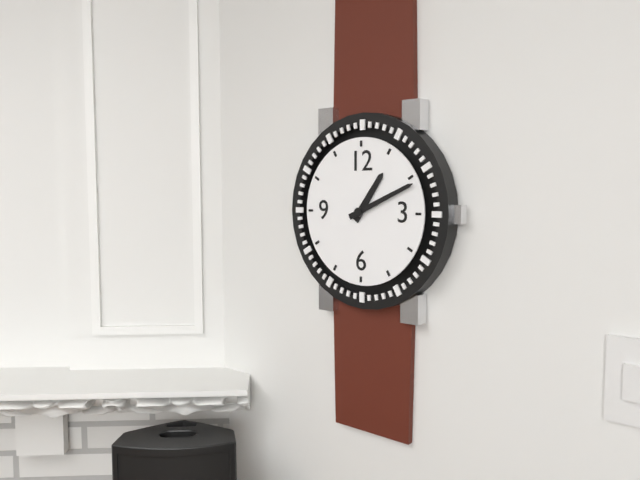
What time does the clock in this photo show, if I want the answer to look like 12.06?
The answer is 1.11
